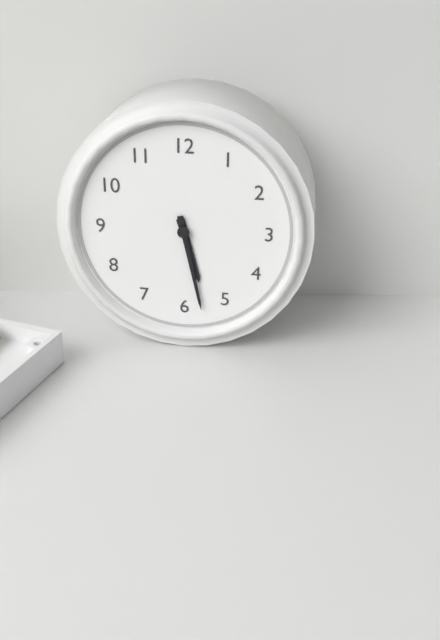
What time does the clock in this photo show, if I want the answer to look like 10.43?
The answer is 5.28
